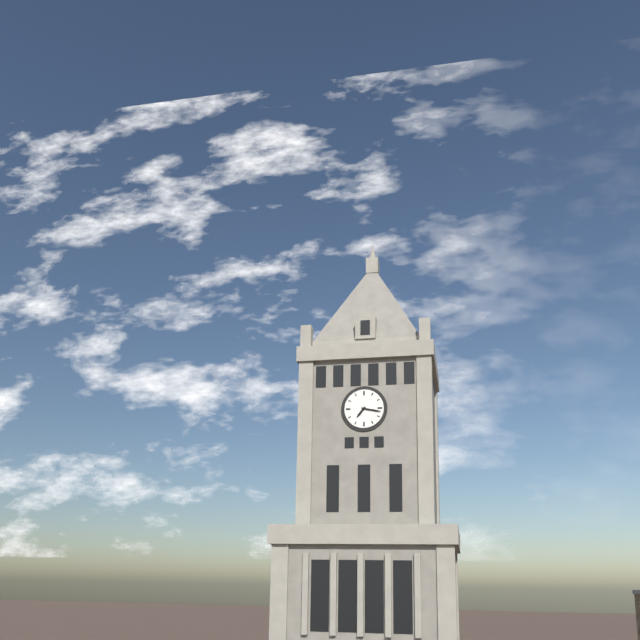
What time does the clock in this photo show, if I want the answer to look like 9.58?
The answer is 7.17
